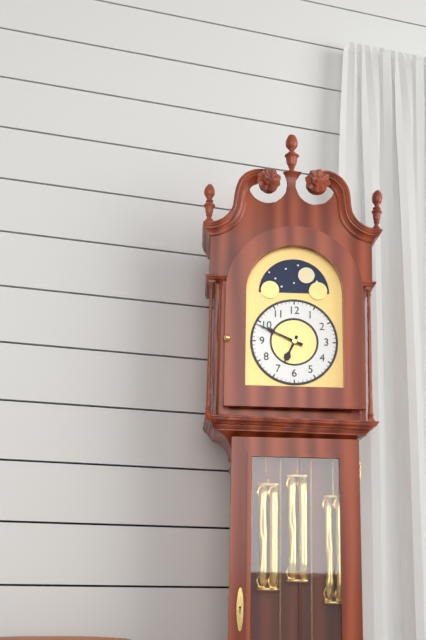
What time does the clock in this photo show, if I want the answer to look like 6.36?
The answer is 6.49
